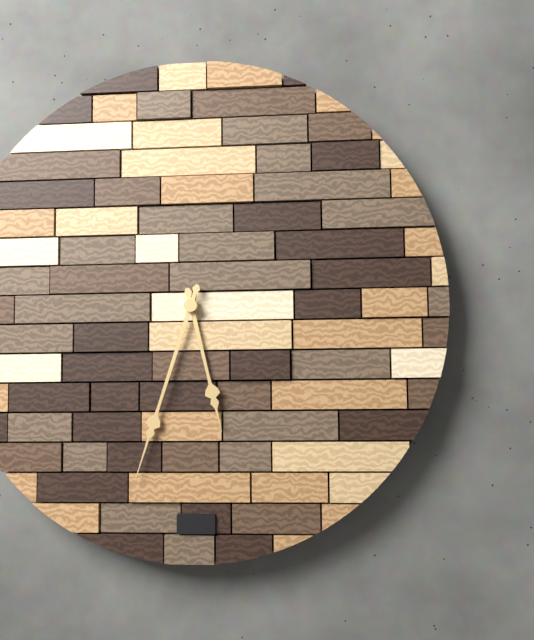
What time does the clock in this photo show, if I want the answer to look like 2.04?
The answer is 5.33
